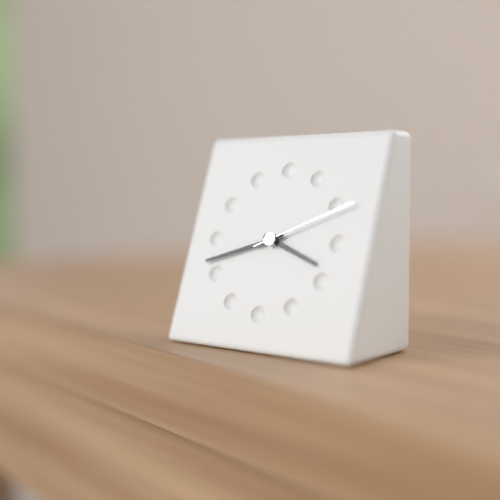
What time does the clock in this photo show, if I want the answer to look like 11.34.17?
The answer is 3.42.11
